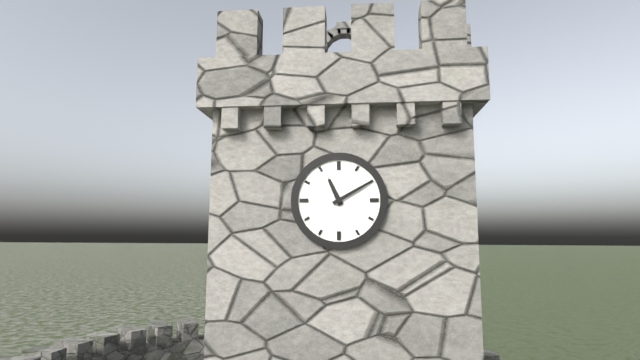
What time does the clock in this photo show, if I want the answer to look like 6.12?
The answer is 11.10
